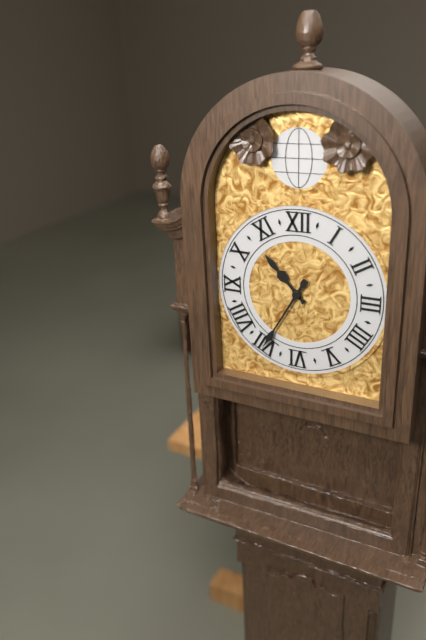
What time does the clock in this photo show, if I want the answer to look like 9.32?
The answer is 10.35
